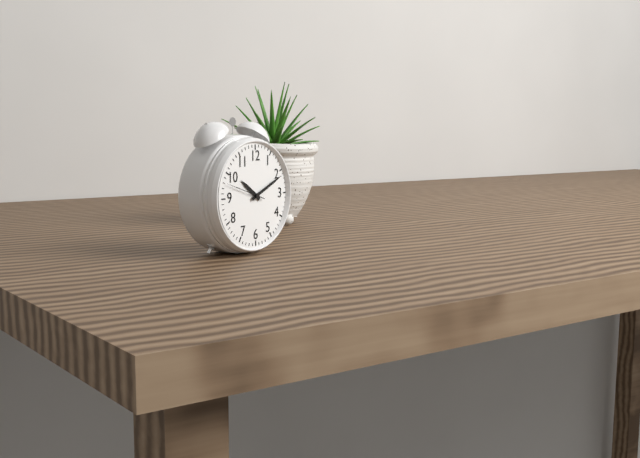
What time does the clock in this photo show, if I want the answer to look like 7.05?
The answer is 10.11
